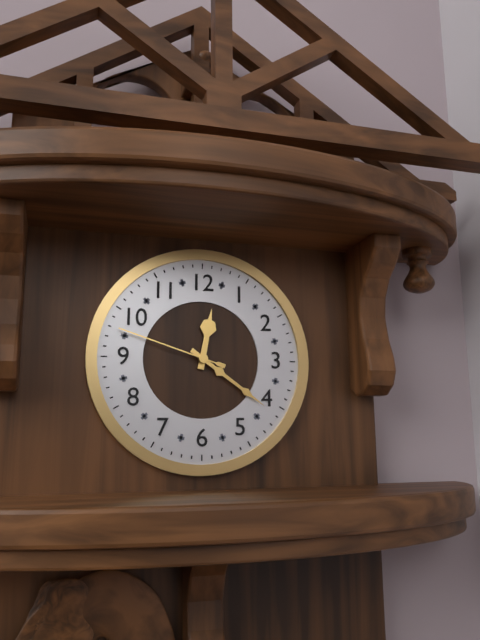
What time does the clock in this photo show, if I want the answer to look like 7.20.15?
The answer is 12.21.48
